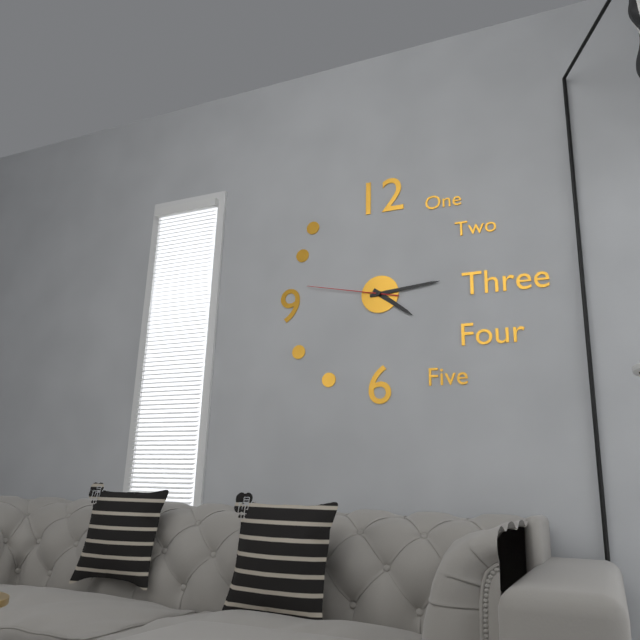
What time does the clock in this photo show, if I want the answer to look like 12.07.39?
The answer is 4.14.47
